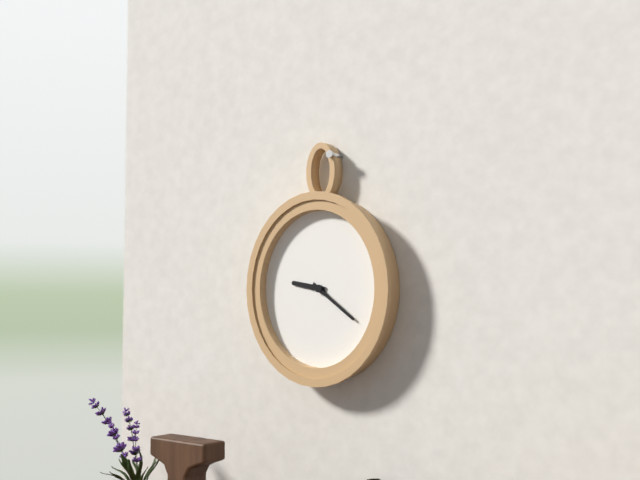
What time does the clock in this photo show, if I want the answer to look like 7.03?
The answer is 9.21
